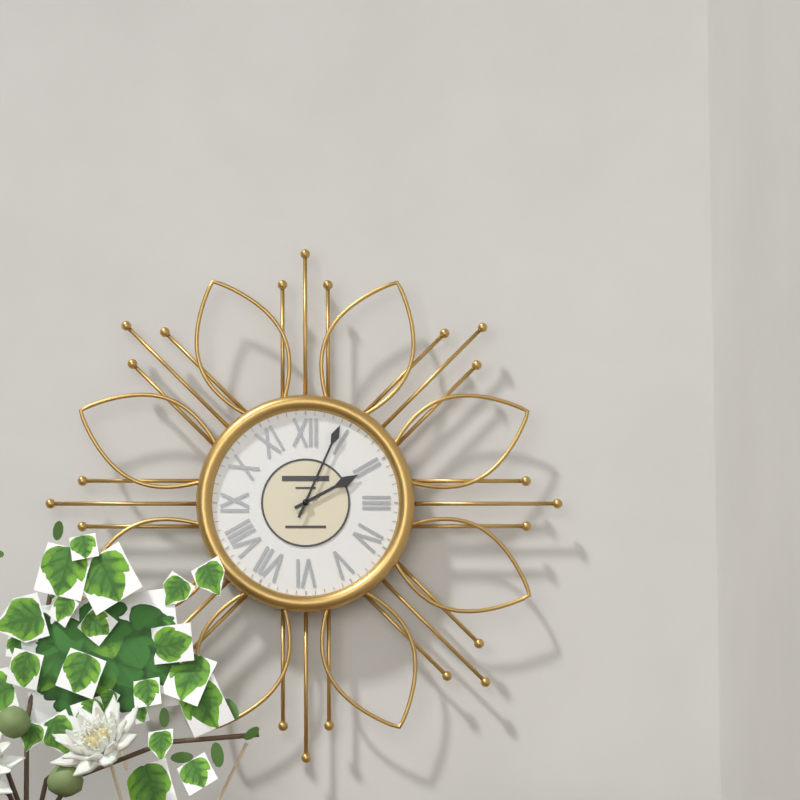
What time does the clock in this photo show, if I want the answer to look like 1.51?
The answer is 2.04
